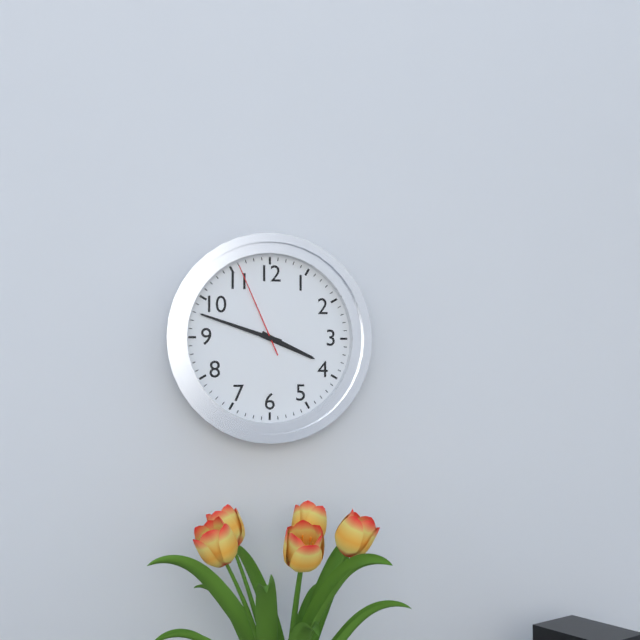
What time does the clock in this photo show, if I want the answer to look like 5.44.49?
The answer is 3.48.56
